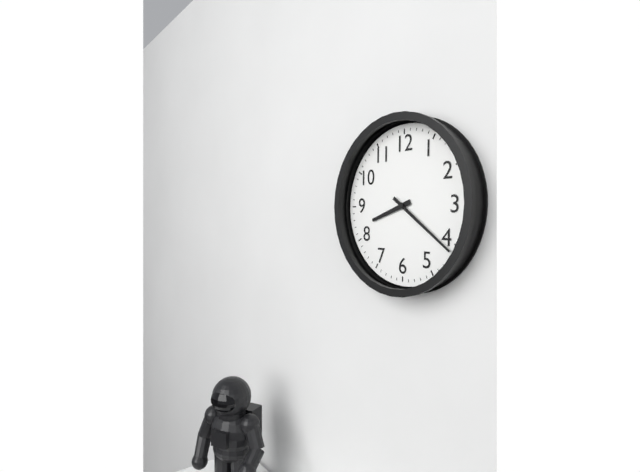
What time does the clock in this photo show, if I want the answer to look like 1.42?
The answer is 8.21
